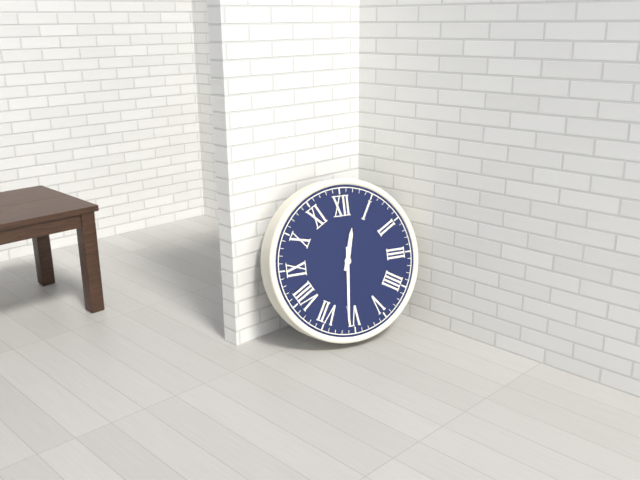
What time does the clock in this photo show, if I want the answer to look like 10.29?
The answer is 12.31
